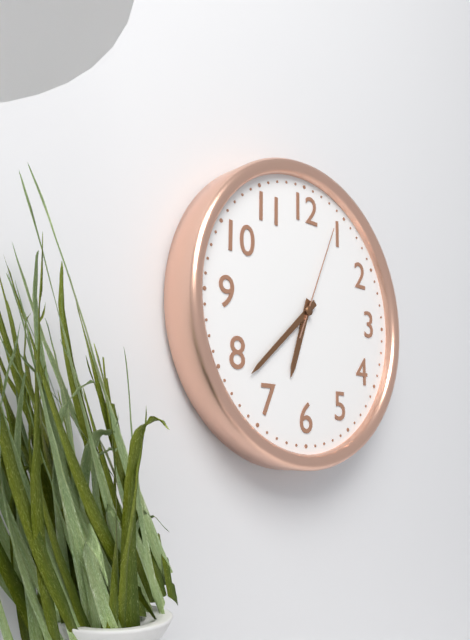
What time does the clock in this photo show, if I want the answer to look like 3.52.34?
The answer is 6.38.04
